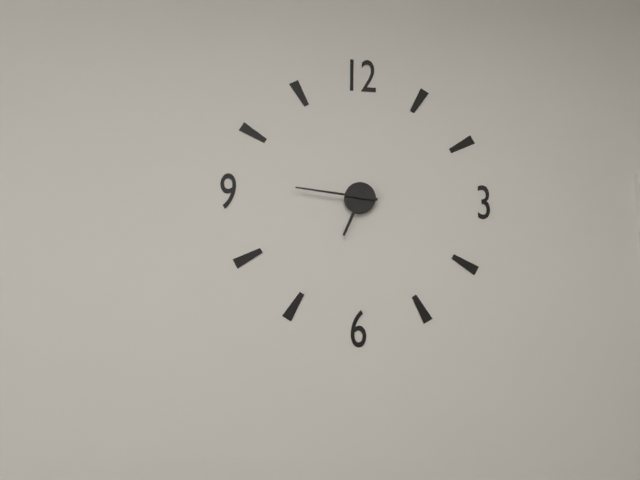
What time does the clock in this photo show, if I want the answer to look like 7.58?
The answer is 6.46
